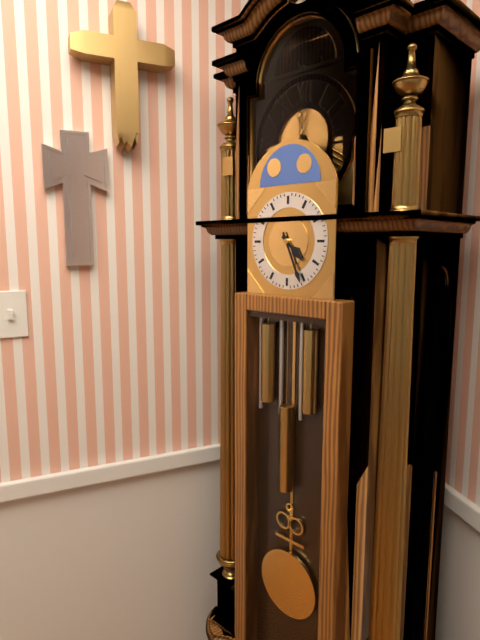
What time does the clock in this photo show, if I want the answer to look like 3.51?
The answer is 4.26
